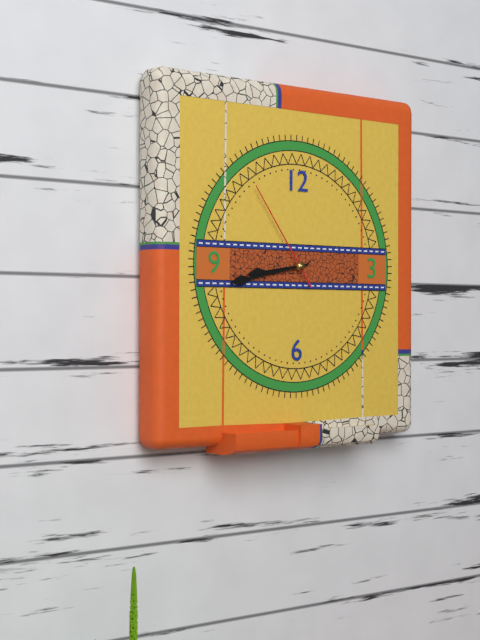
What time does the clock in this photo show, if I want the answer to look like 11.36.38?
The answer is 8.43.54
